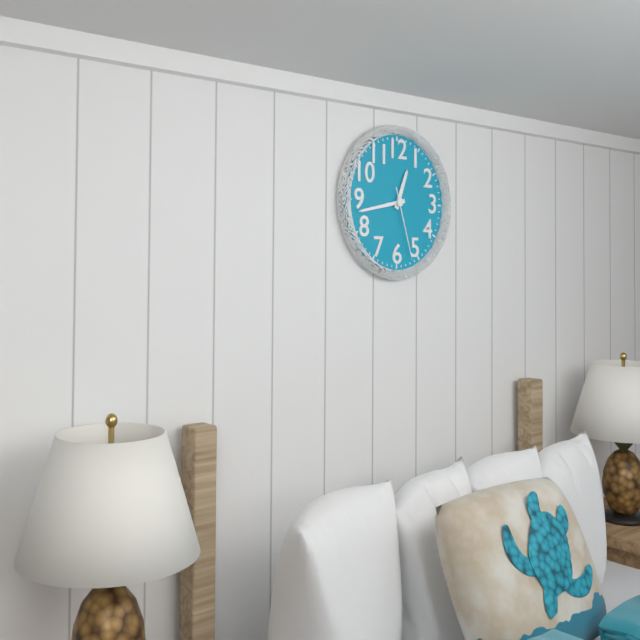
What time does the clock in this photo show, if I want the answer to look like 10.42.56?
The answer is 12.43.27
